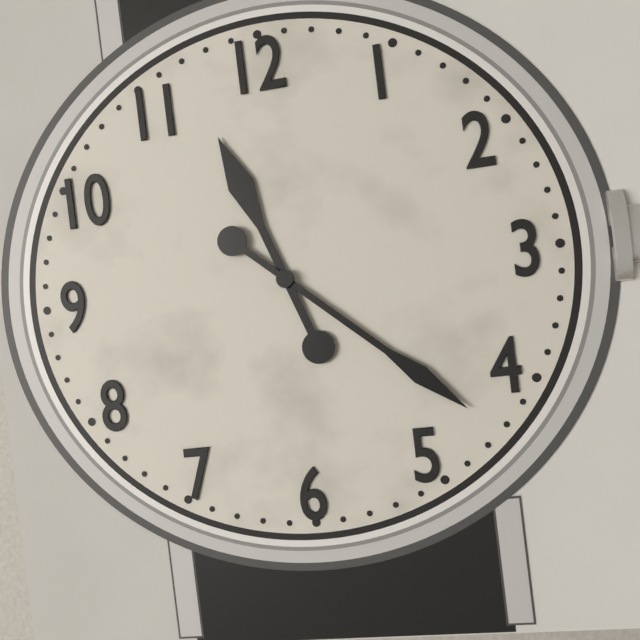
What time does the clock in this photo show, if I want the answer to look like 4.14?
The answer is 11.22
